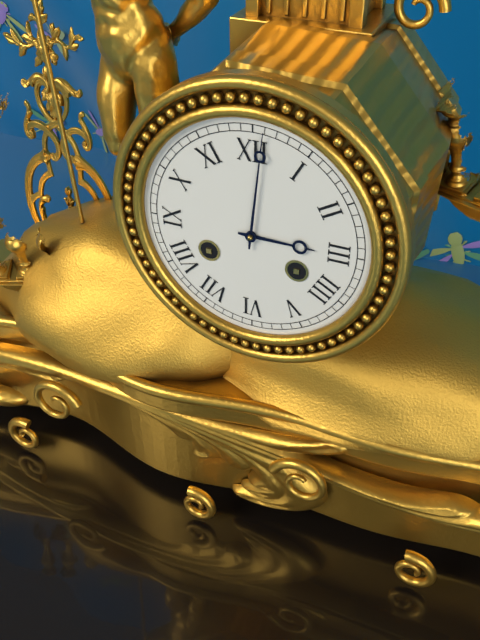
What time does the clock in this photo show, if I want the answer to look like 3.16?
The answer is 3.01
